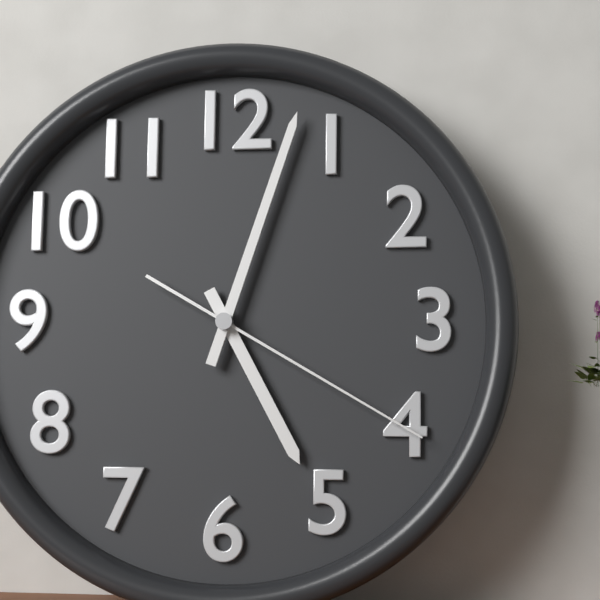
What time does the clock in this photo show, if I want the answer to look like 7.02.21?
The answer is 5.03.20
